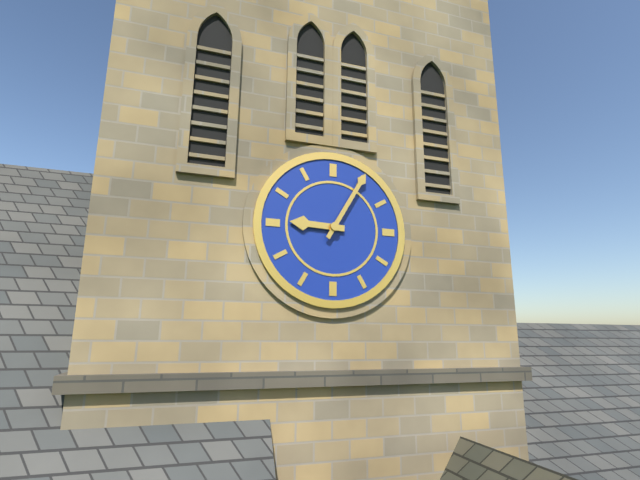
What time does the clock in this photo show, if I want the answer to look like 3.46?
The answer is 9.05
